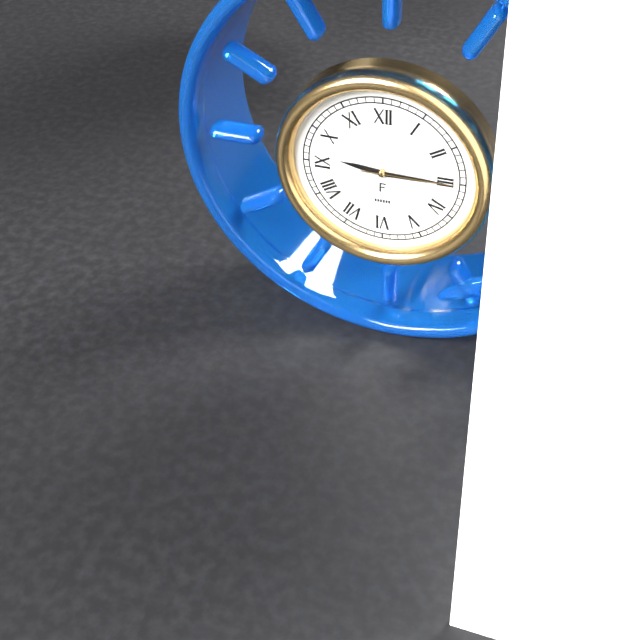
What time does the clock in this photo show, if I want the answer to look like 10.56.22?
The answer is 9.15.15
